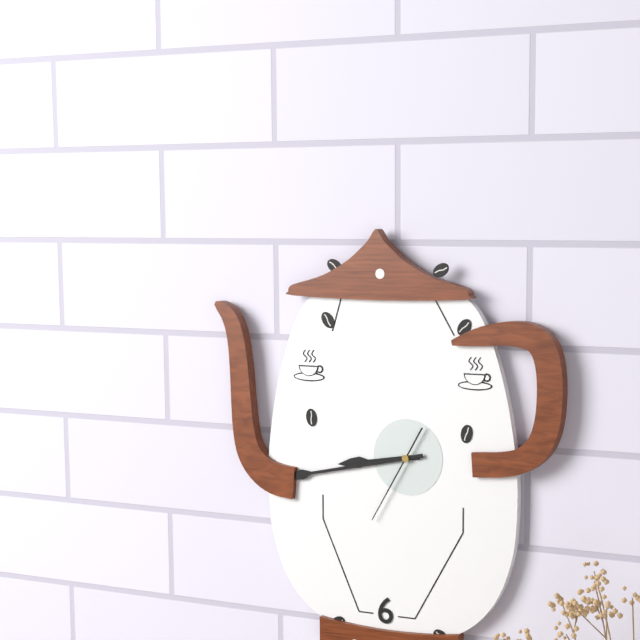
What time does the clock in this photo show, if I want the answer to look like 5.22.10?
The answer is 8.43.35
